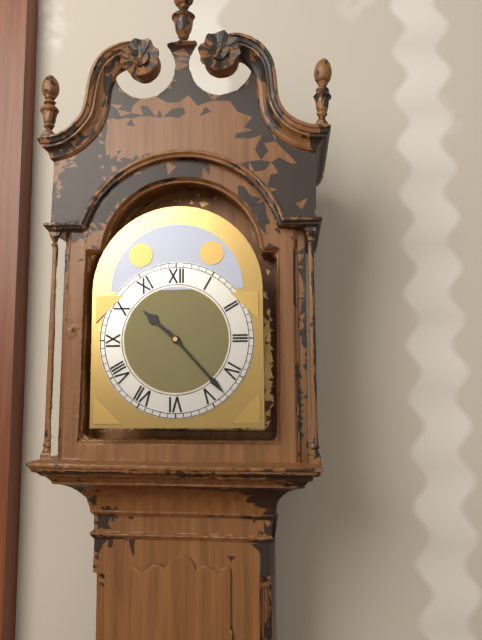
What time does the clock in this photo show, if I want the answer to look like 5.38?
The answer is 10.23
